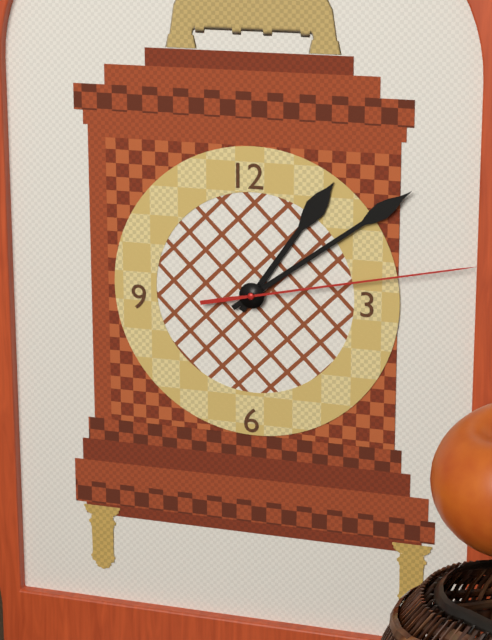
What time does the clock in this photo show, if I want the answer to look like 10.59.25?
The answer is 1.09.13
